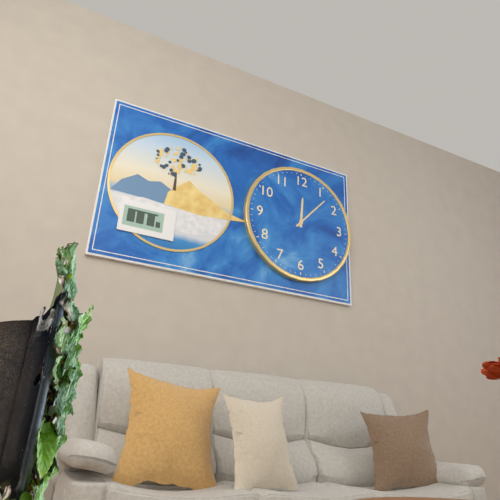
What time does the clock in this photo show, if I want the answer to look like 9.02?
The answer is 12.07
